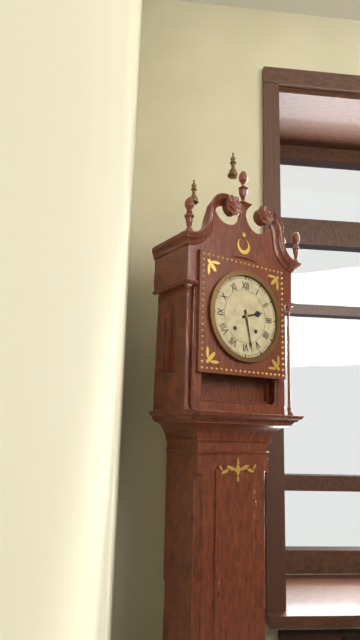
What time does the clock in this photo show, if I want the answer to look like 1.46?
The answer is 2.28
